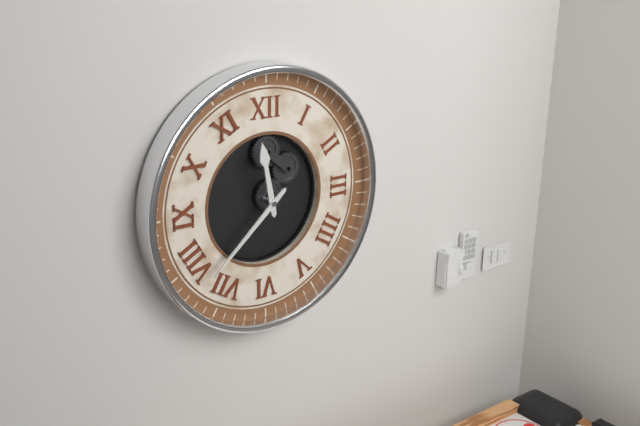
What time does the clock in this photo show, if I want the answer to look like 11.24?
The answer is 11.38
